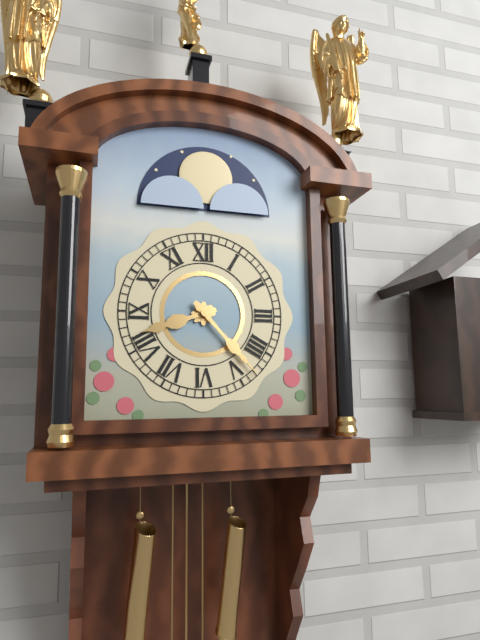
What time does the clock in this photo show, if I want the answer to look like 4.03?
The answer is 8.23
